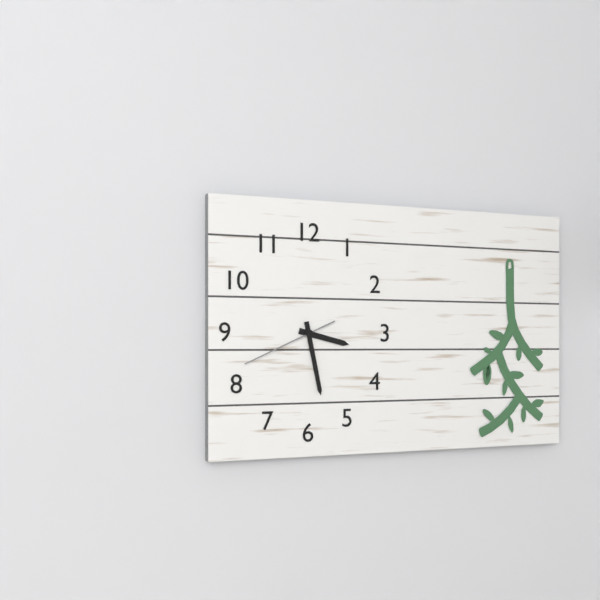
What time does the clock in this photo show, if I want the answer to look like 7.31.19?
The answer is 3.28.41
